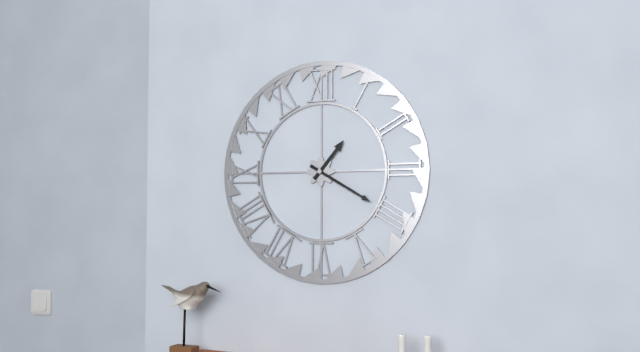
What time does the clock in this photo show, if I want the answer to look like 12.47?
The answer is 1.20
